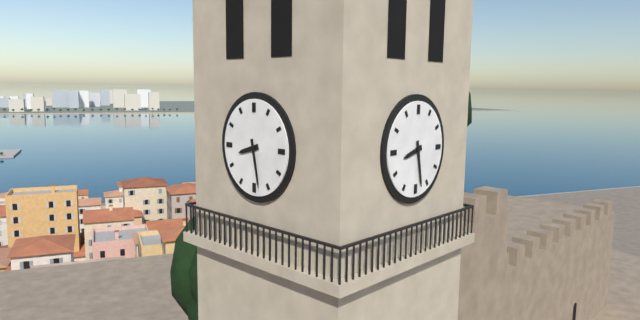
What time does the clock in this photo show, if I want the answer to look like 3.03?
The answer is 8.28
